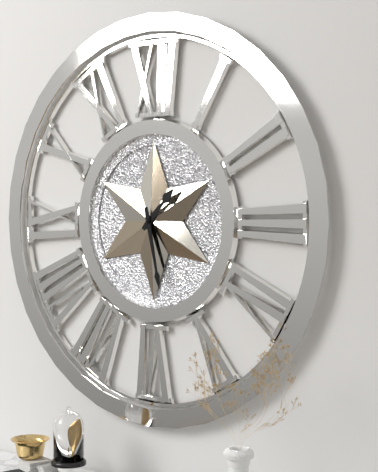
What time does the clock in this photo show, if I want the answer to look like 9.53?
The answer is 1.28
